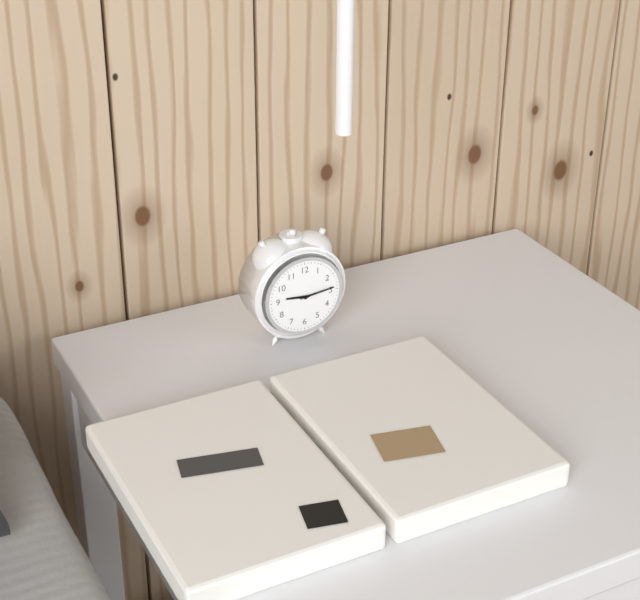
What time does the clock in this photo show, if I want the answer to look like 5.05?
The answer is 9.14
